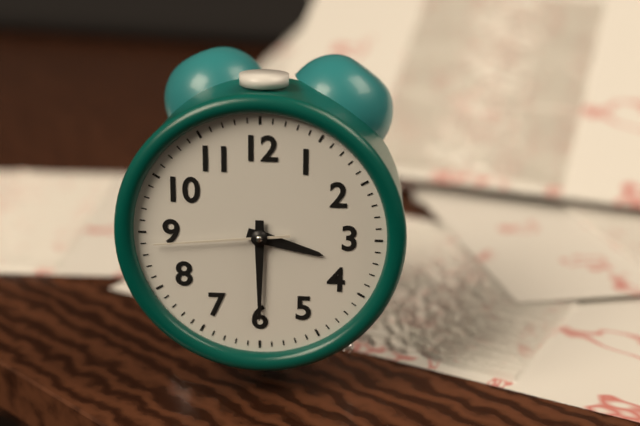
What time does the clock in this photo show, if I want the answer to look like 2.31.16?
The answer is 3.30.44
